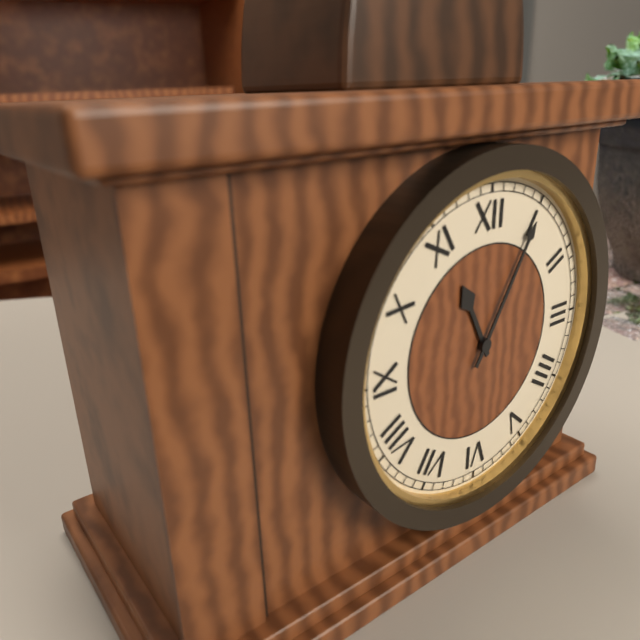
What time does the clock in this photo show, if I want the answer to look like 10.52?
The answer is 11.05
